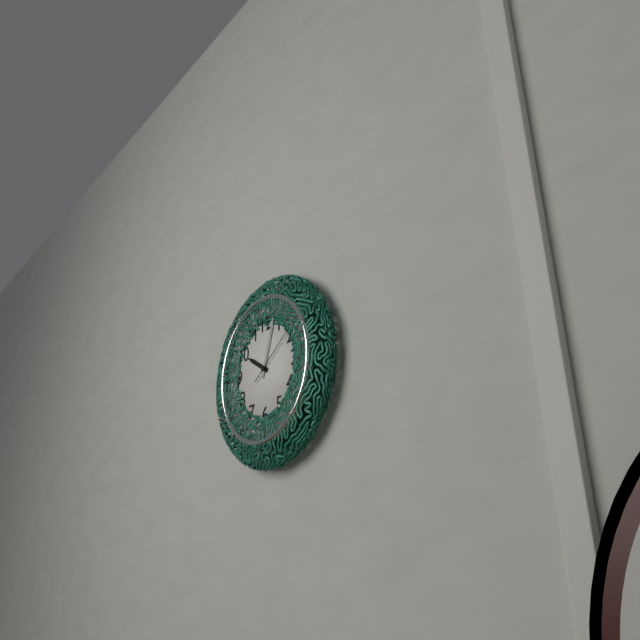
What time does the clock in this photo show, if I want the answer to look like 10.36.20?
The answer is 10.03.09
